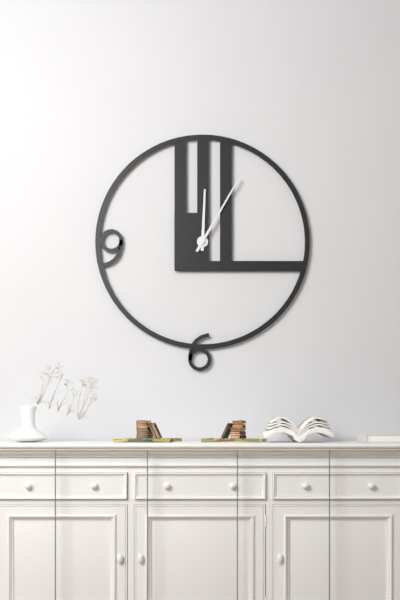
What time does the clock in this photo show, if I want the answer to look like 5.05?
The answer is 12.05
